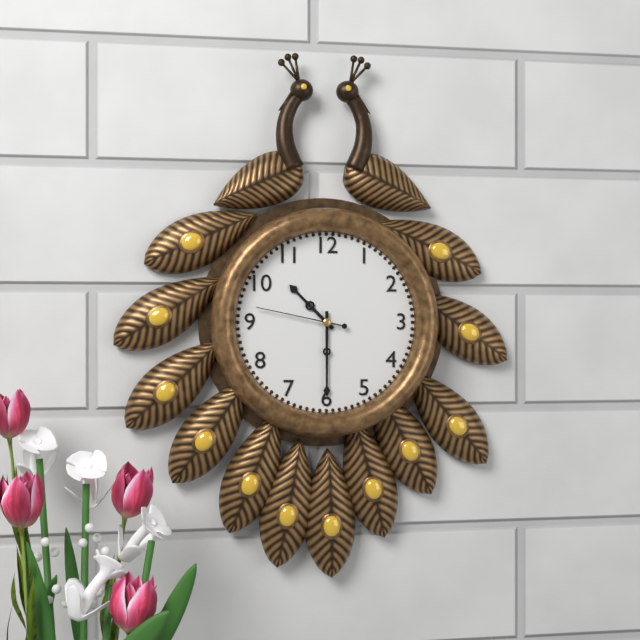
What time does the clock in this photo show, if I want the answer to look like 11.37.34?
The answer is 10.30.47
